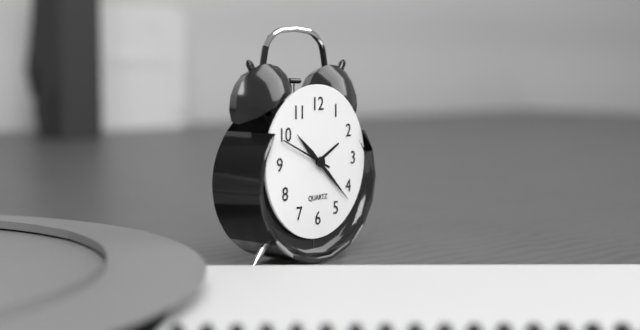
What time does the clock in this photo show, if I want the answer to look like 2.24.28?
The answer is 10.22.49
